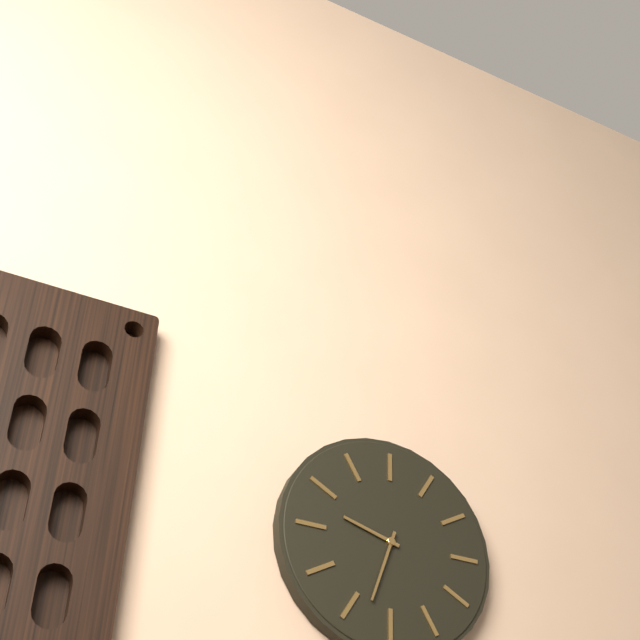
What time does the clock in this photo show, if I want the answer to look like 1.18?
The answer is 9.33
